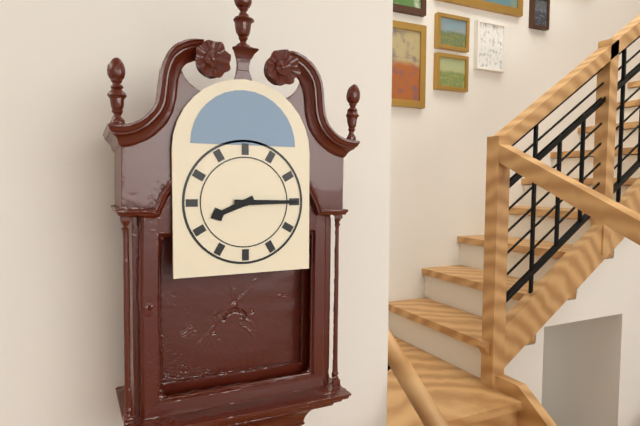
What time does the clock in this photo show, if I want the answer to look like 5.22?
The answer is 8.15
